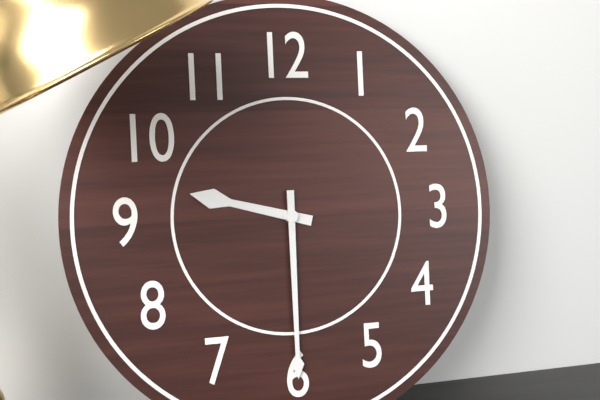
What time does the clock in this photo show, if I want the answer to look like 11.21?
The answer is 9.30
